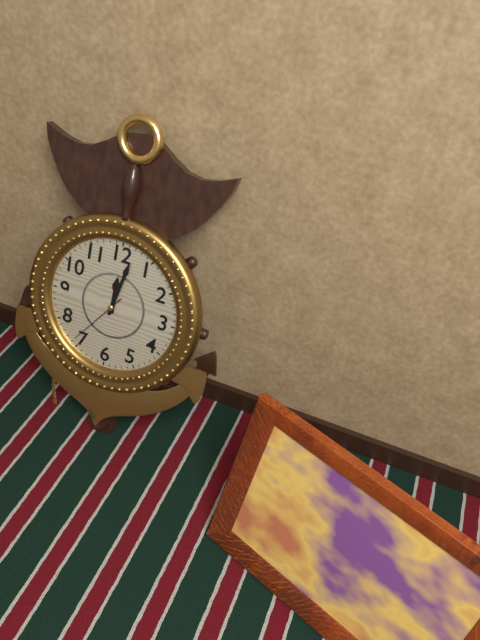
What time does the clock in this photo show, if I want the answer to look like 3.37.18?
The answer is 12.02.36
